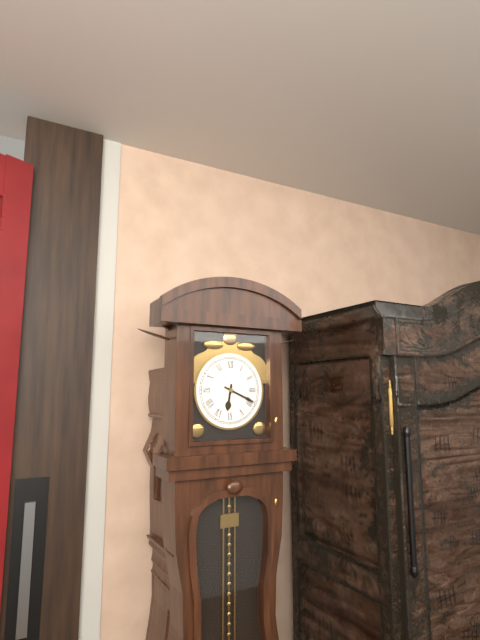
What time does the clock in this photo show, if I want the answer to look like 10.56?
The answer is 6.19
